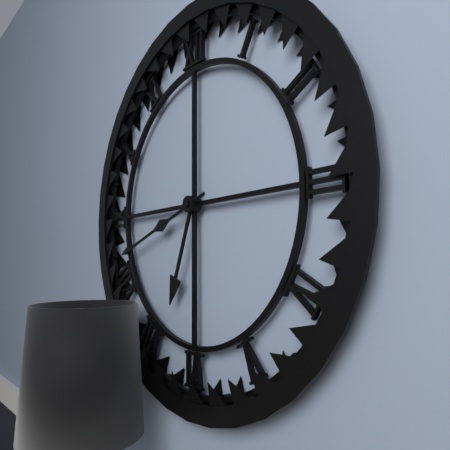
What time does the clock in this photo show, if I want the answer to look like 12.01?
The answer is 6.42
